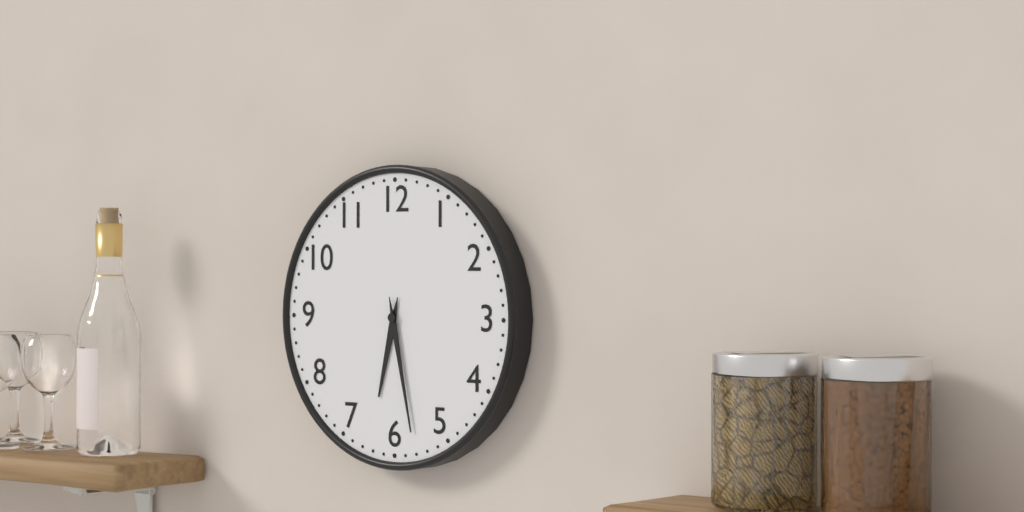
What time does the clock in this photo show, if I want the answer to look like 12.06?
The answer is 6.28
